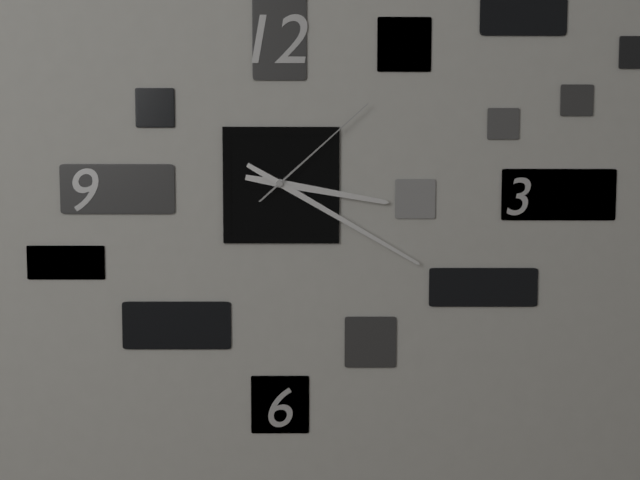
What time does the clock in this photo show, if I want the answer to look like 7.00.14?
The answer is 3.20.08
